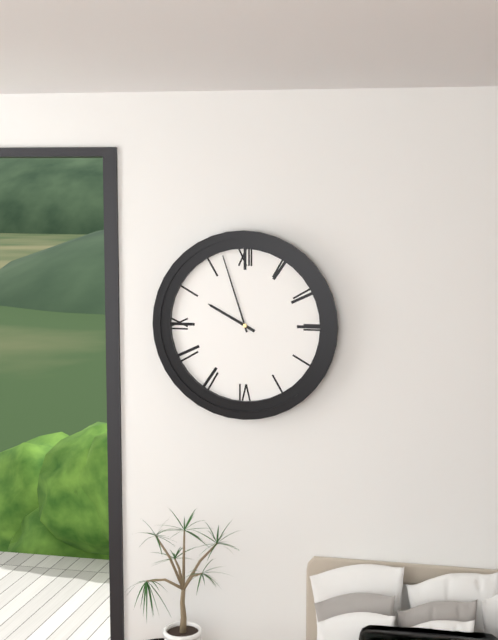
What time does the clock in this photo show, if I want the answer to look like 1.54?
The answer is 9.57
